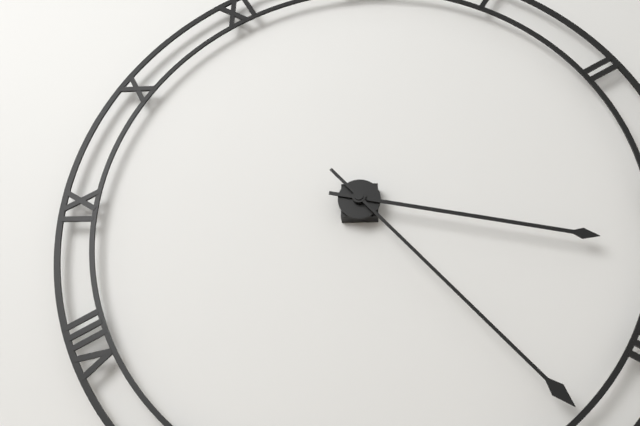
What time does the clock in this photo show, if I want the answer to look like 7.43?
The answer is 3.23
